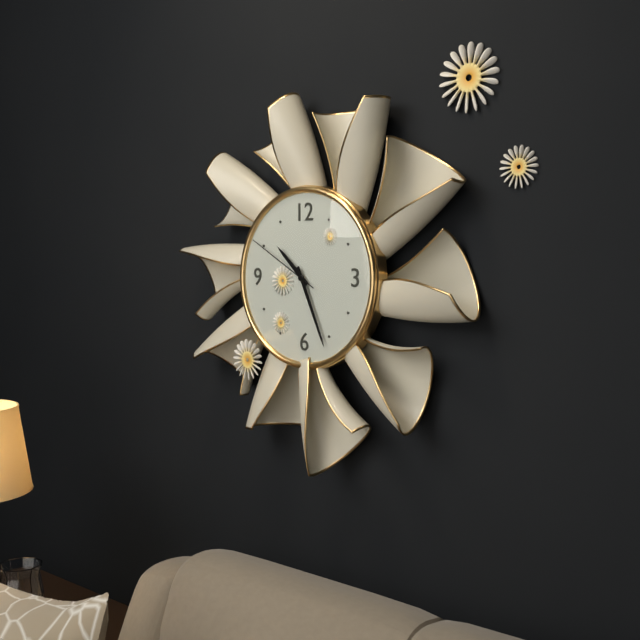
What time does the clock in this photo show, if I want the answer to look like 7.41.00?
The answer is 10.26.50
